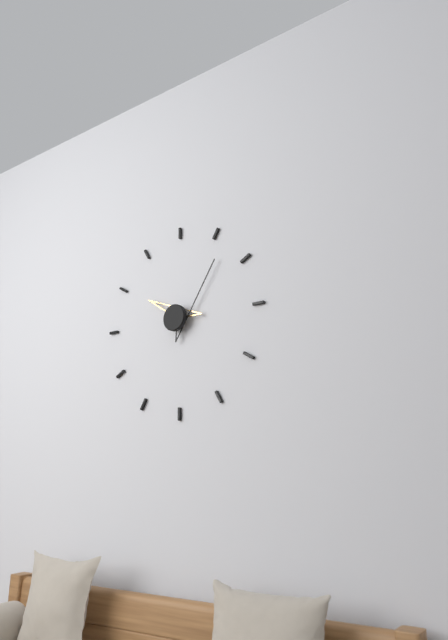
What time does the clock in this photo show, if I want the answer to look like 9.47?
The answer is 10.07
